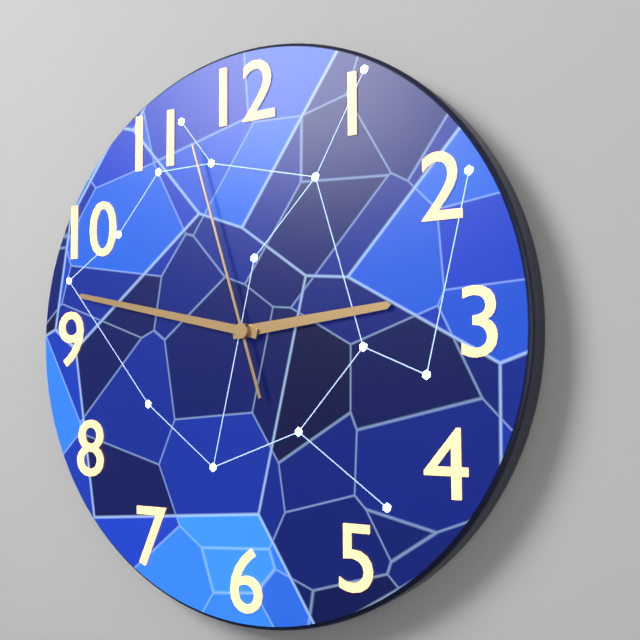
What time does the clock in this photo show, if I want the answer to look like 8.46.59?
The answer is 2.47.57
